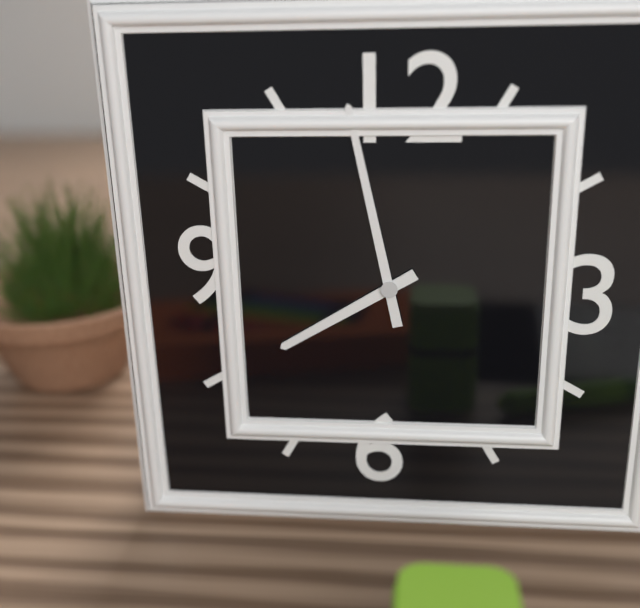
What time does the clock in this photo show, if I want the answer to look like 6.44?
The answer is 7.58
